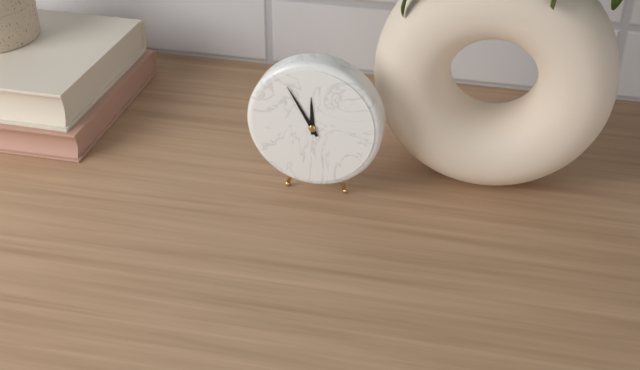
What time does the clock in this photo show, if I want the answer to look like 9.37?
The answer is 11.55
